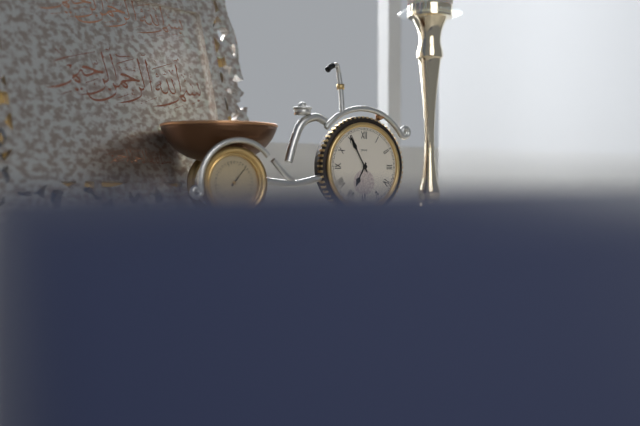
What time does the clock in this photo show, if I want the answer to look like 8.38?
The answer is 6.55
